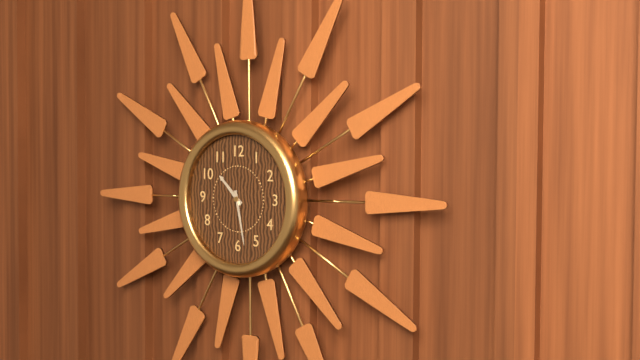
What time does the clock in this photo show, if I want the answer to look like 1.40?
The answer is 10.28
